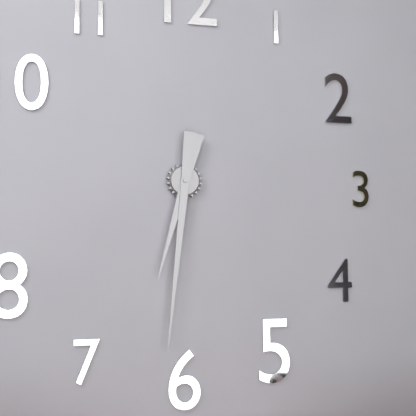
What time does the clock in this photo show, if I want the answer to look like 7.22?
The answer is 6.31
